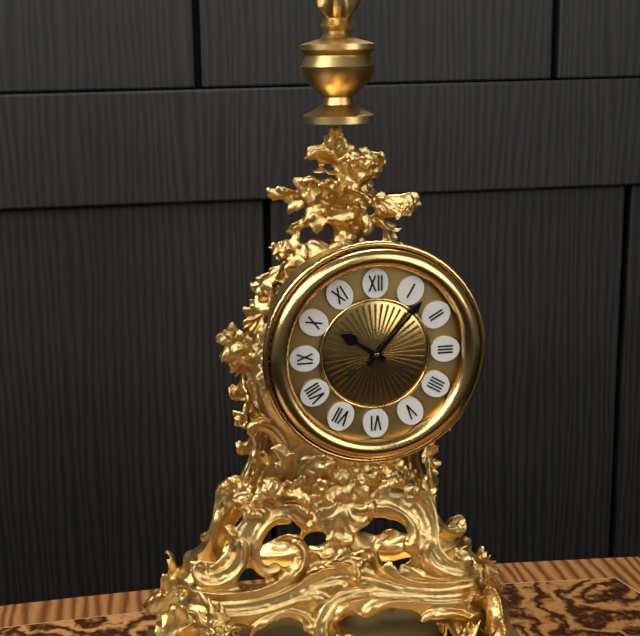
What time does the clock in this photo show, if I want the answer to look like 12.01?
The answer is 10.07
